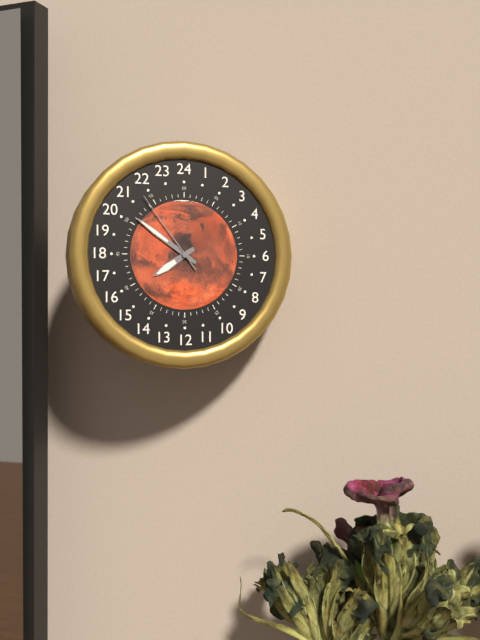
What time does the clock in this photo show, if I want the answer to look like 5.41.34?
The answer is 7.51.54
